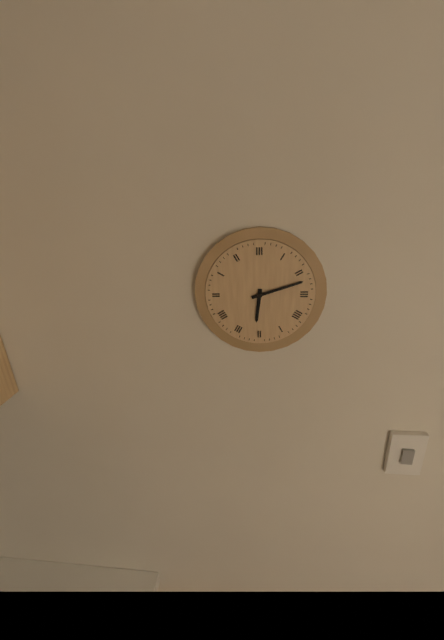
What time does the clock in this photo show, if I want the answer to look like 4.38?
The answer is 6.12
